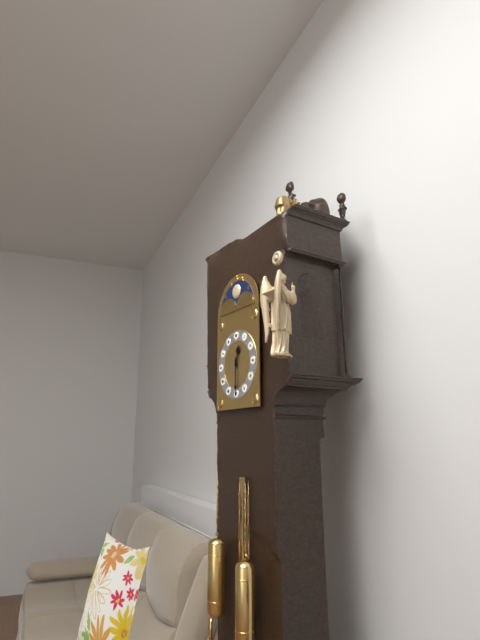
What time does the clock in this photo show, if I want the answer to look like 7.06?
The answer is 12.30
